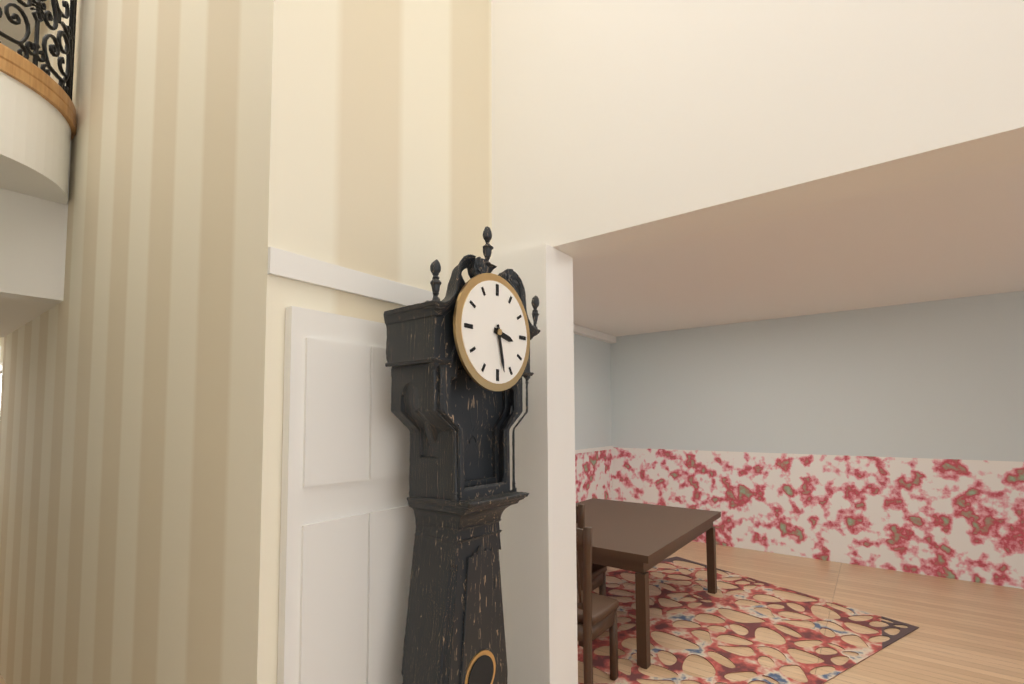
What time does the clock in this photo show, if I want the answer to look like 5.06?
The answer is 3.28
